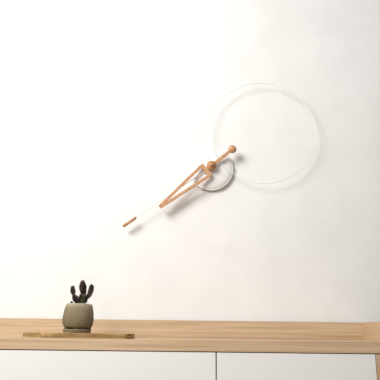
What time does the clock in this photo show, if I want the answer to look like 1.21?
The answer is 7.39
